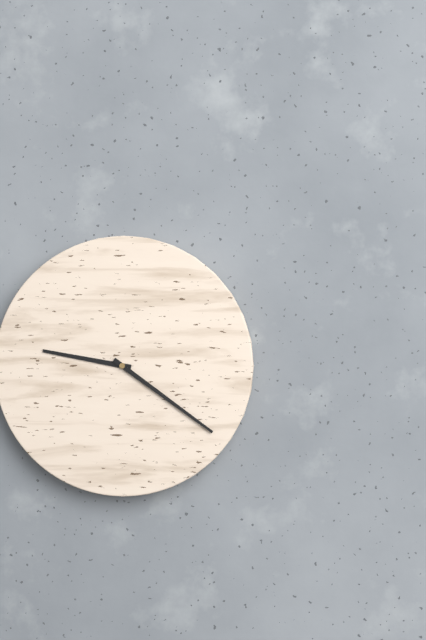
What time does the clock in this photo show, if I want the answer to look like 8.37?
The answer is 9.21
